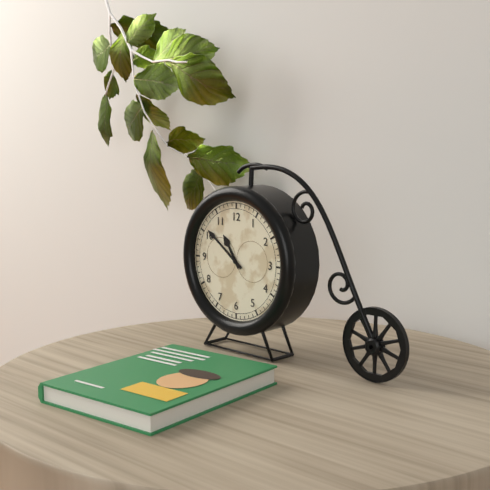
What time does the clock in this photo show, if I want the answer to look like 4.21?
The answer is 10.51
